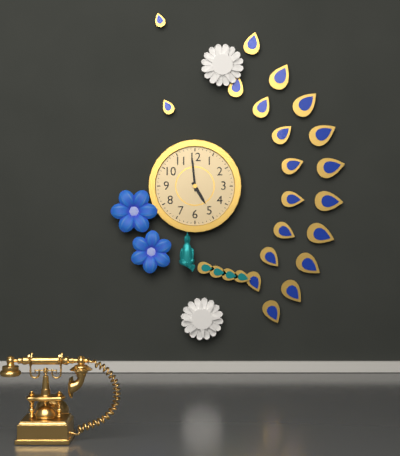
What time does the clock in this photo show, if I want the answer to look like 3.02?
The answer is 4.59
